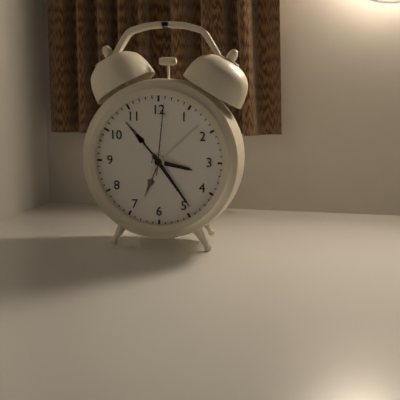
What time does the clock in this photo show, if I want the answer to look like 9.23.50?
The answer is 3.24.01
